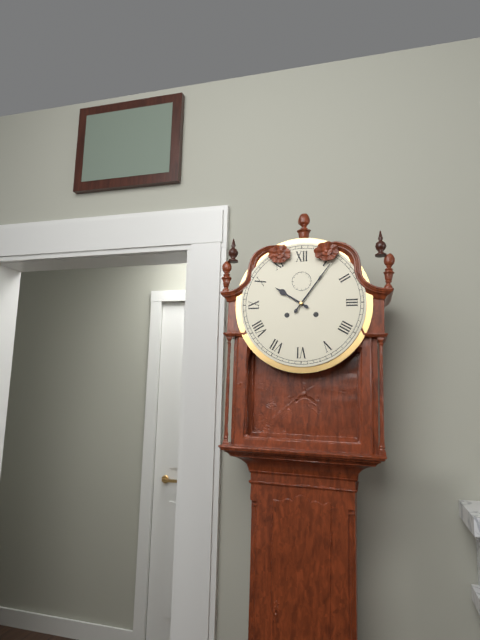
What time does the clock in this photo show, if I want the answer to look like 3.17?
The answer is 10.06
